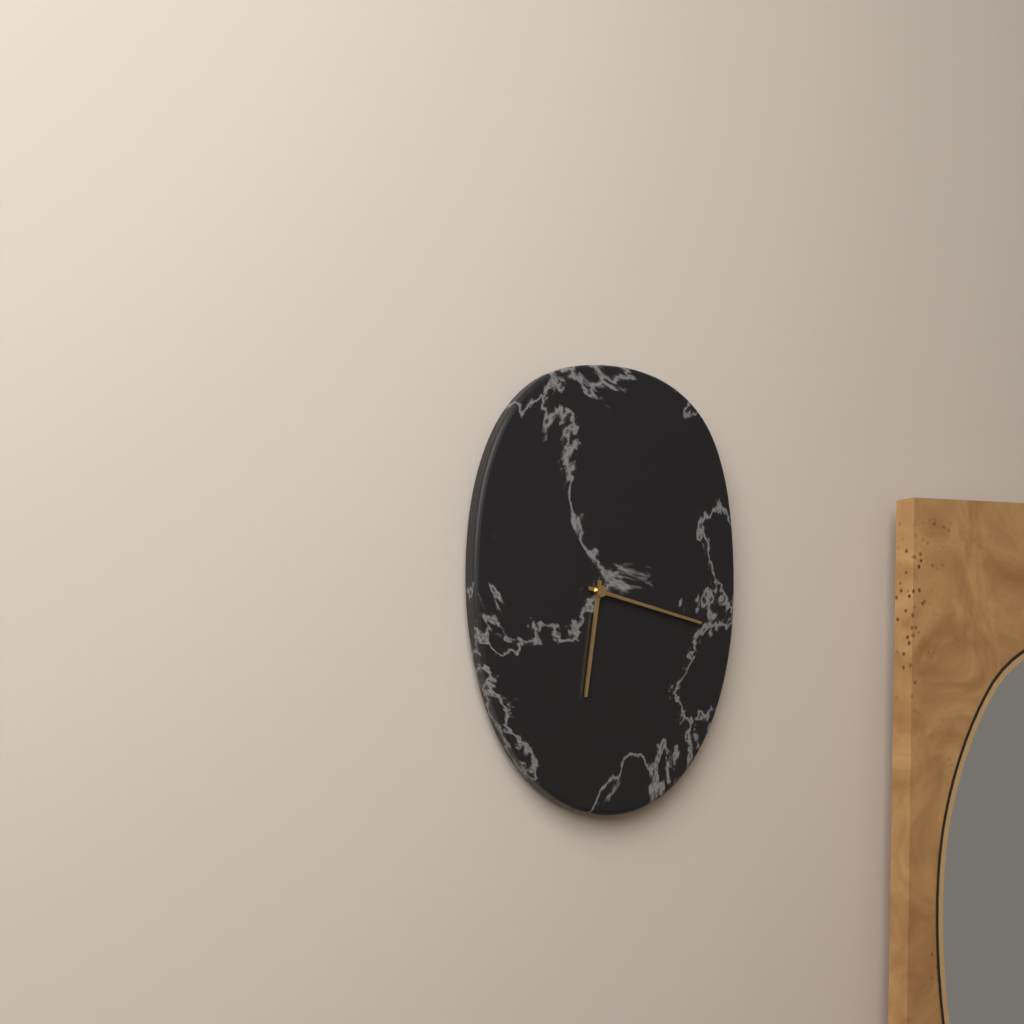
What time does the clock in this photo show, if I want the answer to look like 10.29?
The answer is 6.17
